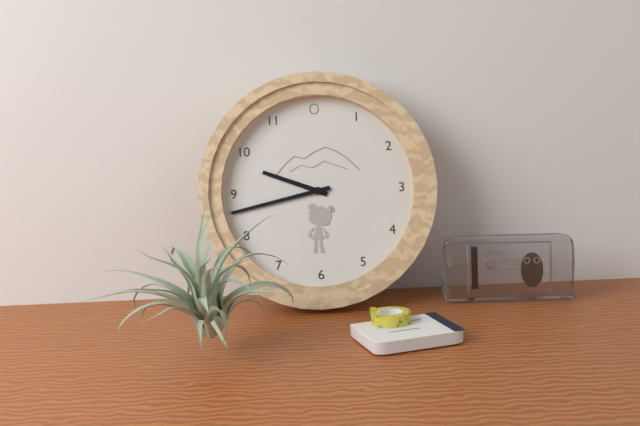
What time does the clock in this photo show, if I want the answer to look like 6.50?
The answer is 9.43
